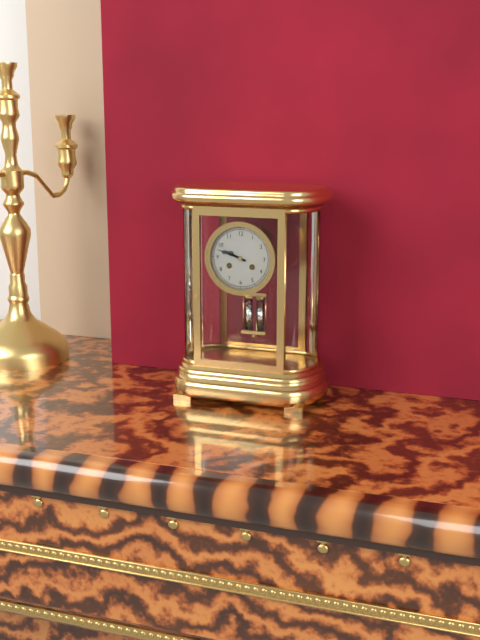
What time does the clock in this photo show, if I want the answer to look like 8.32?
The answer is 9.48
